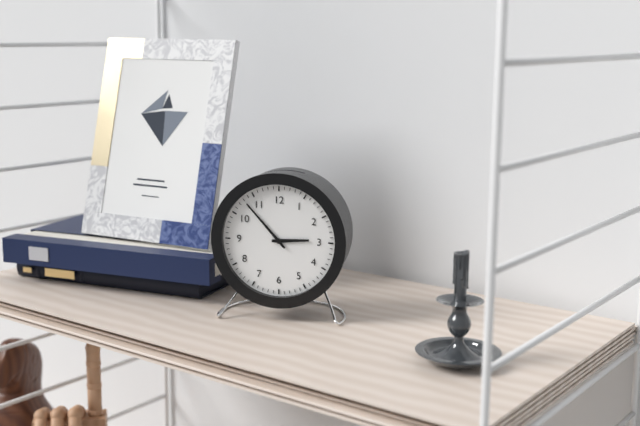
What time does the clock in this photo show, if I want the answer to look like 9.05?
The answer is 2.53
